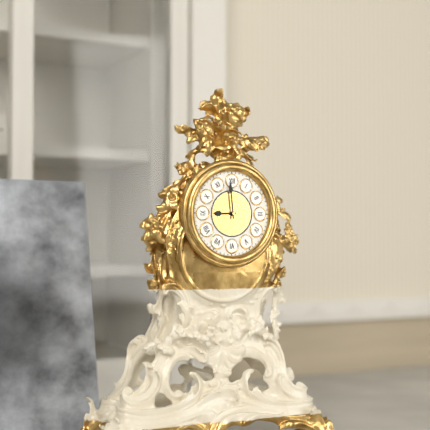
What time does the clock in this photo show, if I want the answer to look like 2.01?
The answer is 8.59
